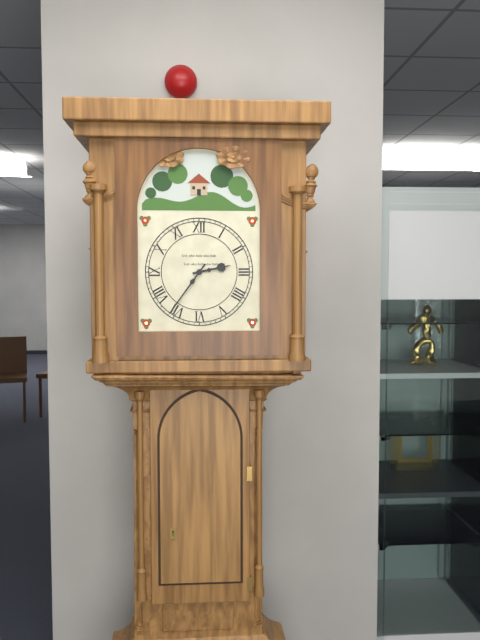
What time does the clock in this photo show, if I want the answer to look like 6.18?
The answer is 2.36
